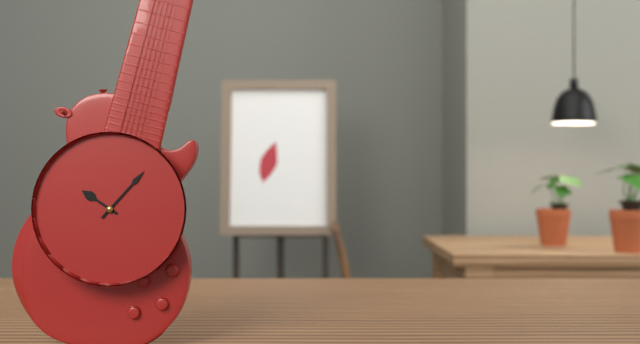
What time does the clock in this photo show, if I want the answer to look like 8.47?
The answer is 10.07
